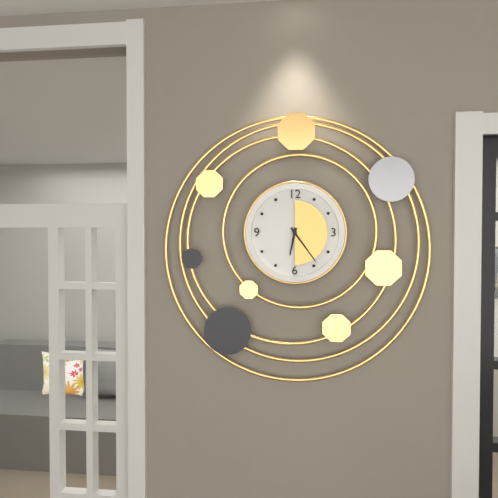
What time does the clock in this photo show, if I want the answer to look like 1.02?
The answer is 6.24
